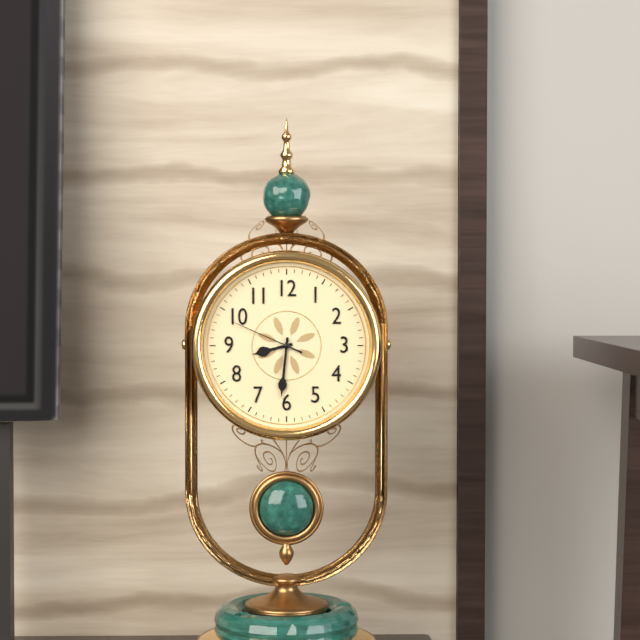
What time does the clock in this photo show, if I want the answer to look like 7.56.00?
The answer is 8.31.49
